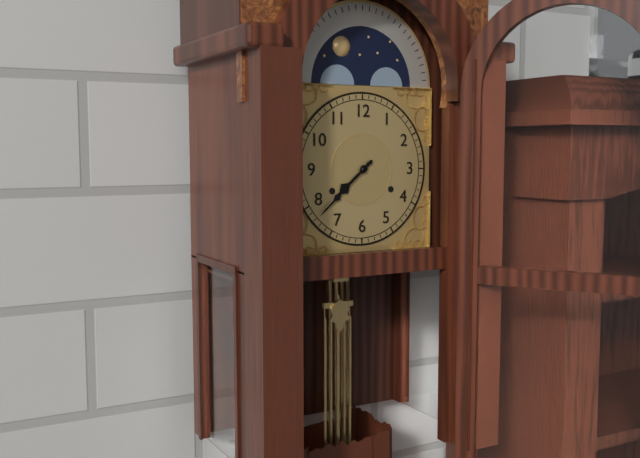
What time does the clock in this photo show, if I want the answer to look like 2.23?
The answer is 7.38
